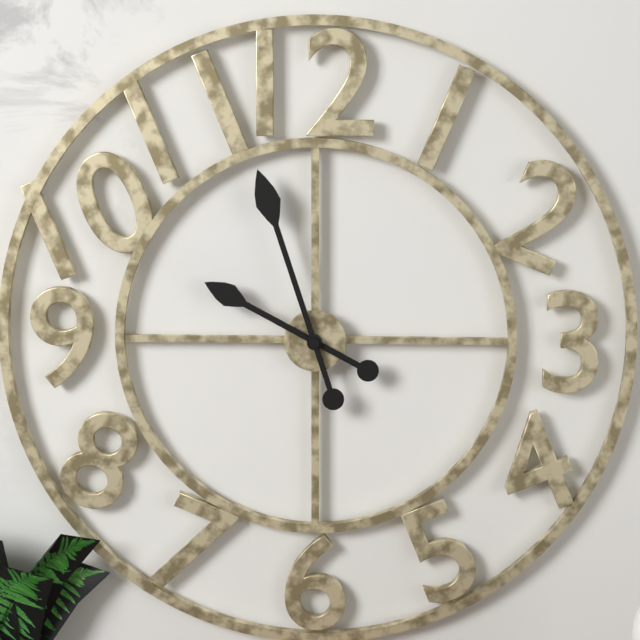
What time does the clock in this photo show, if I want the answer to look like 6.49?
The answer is 9.57
